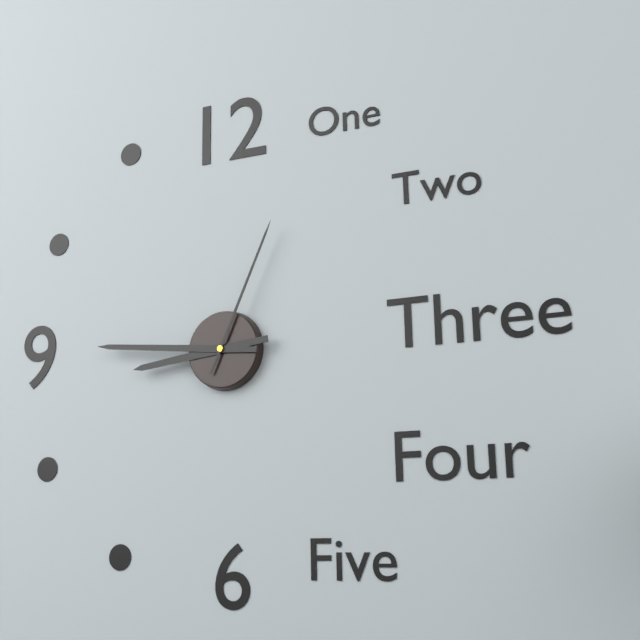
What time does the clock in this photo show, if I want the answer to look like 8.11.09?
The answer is 8.46.04
